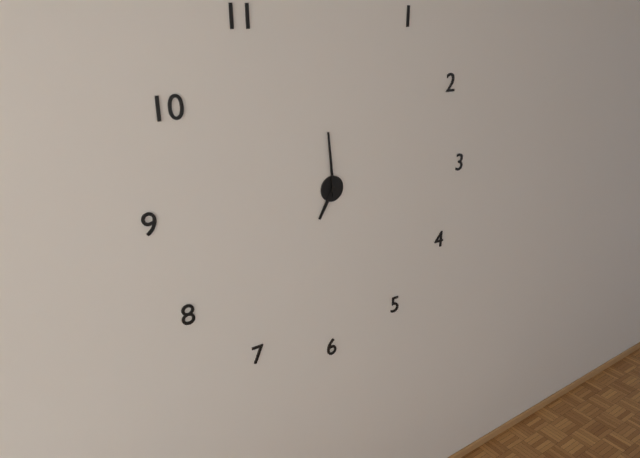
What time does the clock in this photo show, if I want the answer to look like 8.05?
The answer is 6.59
